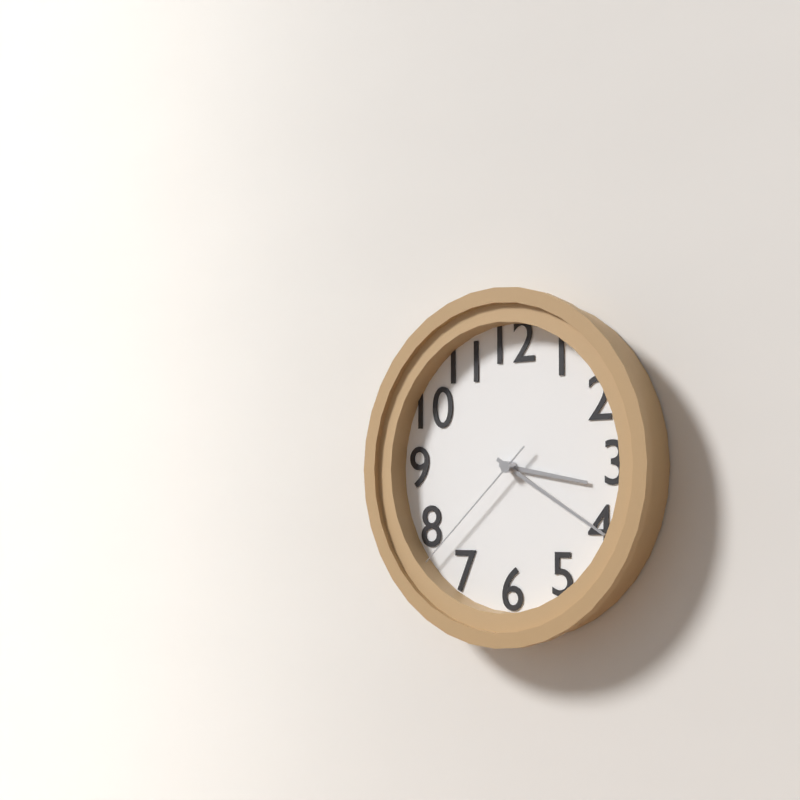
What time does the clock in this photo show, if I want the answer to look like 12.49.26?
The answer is 3.20.38
